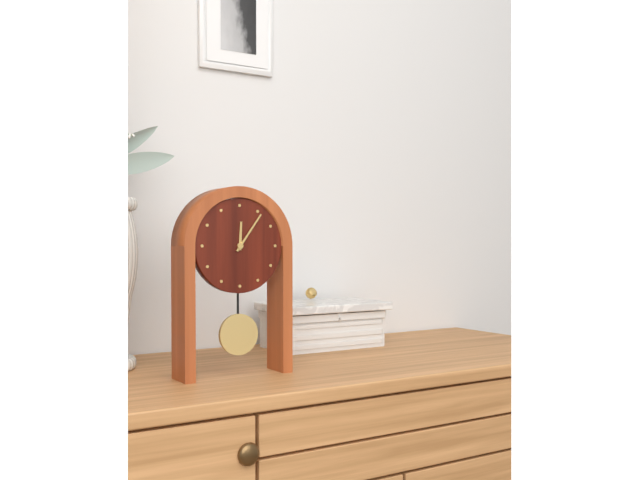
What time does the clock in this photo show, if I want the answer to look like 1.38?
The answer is 12.06
